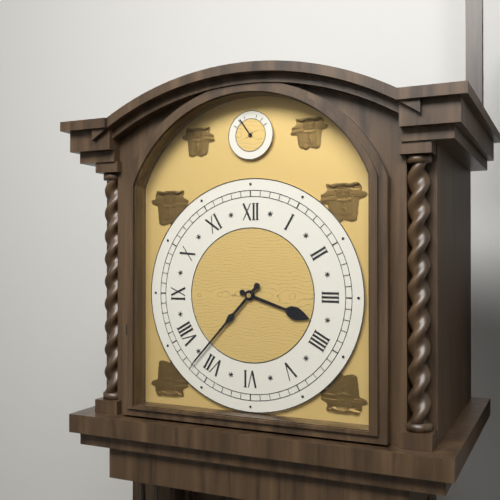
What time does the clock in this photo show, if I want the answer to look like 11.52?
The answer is 3.37
